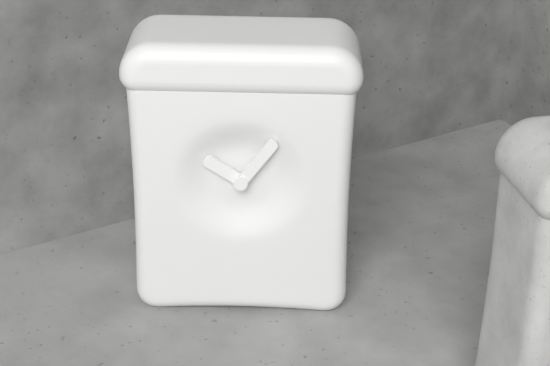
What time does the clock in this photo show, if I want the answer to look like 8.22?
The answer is 10.06
